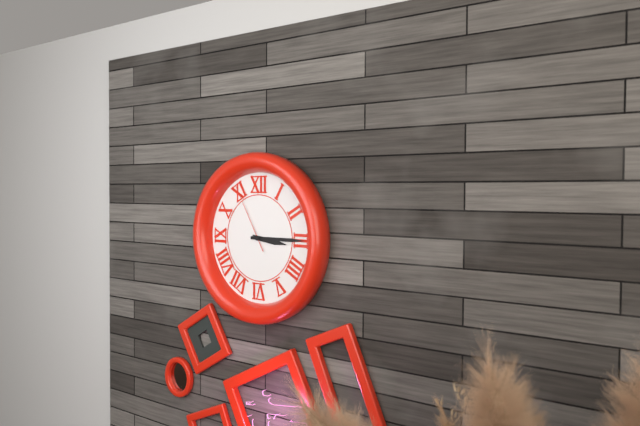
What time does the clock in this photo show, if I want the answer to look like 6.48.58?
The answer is 3.15.55
